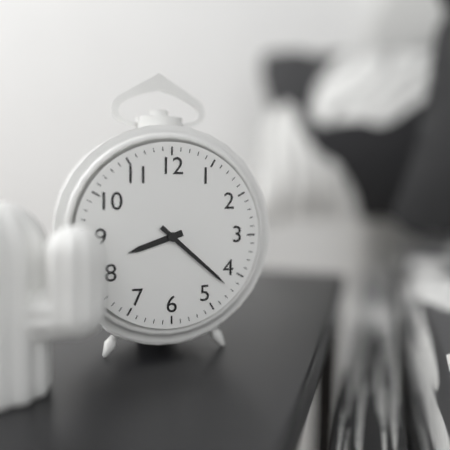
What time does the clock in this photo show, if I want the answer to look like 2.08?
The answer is 8.22
